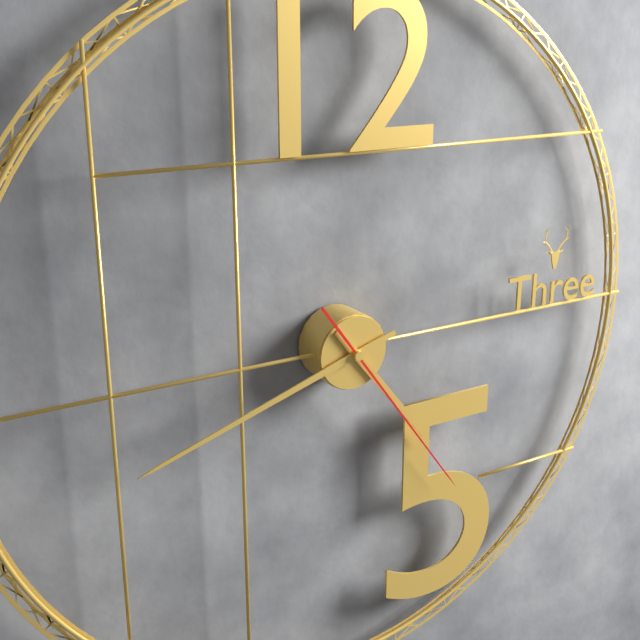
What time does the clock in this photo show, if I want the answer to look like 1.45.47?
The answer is 4.42.24
